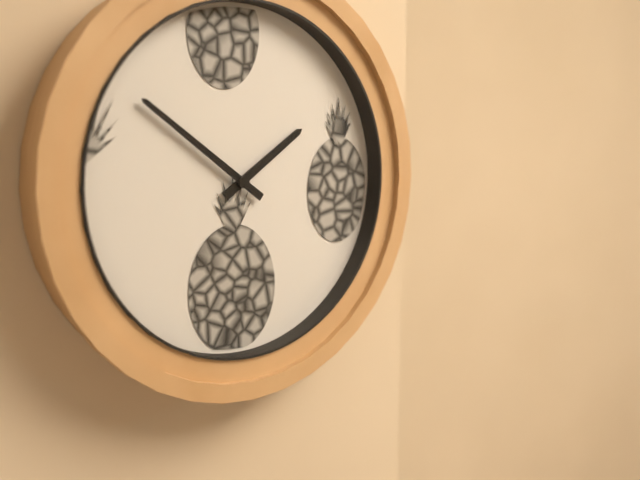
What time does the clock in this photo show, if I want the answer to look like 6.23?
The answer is 1.51
